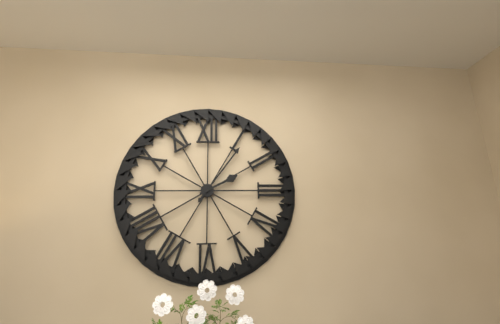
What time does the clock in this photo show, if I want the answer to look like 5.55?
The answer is 2.06
